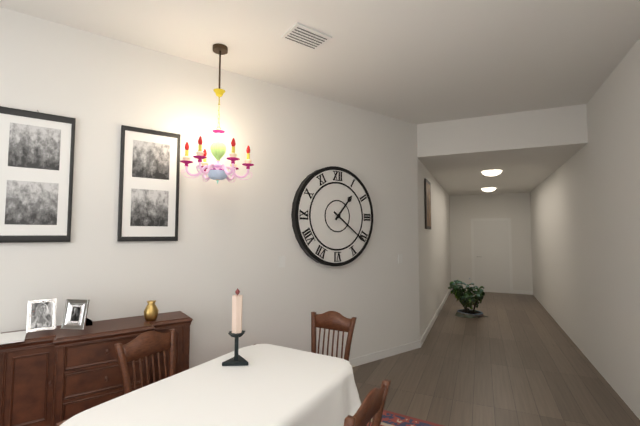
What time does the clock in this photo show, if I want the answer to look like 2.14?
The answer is 1.21
